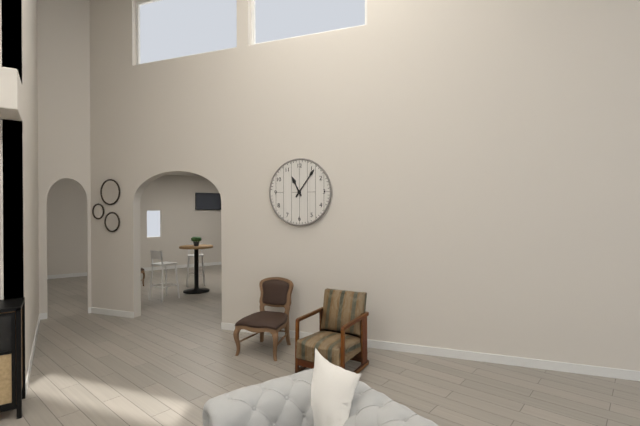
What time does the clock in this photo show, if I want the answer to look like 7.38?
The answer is 11.06
